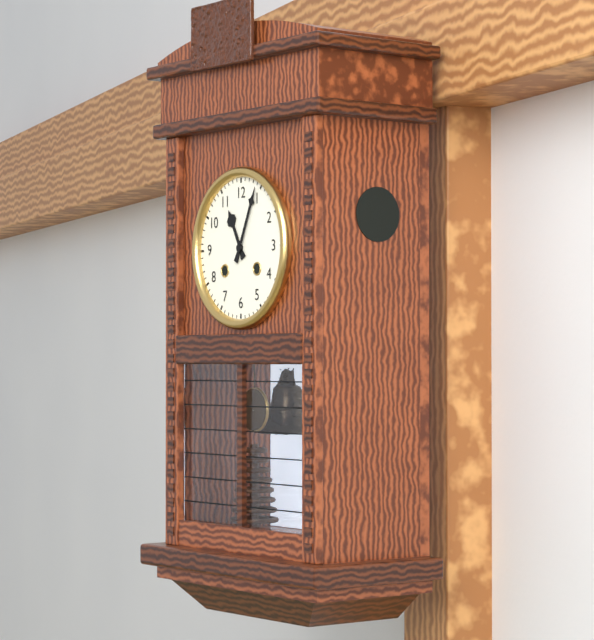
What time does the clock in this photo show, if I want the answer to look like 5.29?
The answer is 11.04
